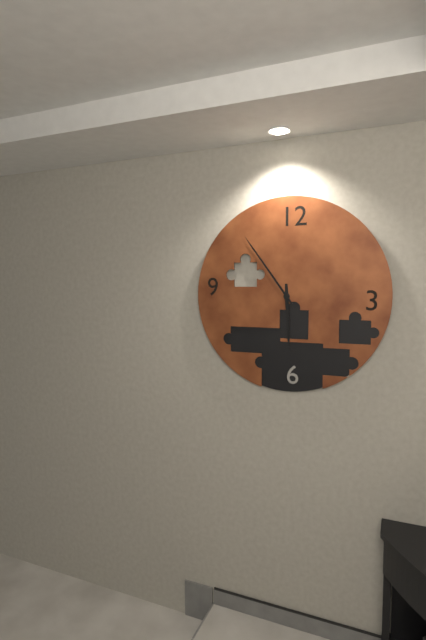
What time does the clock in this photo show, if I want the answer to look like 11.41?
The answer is 5.54
